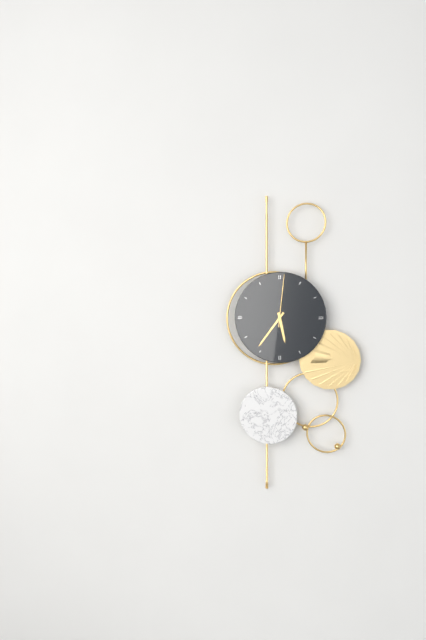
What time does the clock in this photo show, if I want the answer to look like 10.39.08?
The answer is 5.36.01
